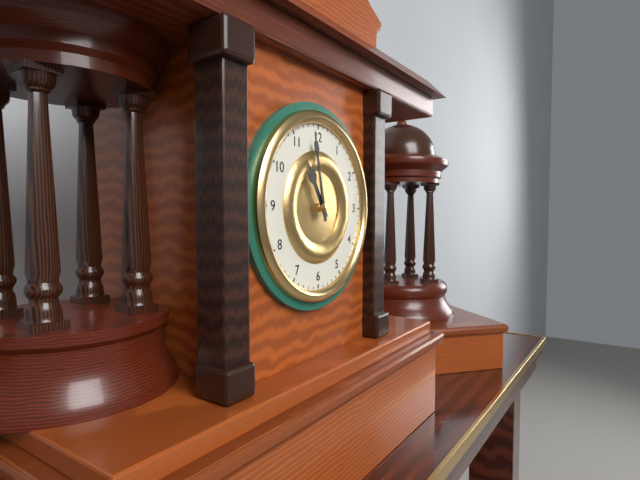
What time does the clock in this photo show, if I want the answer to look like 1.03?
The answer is 10.58
